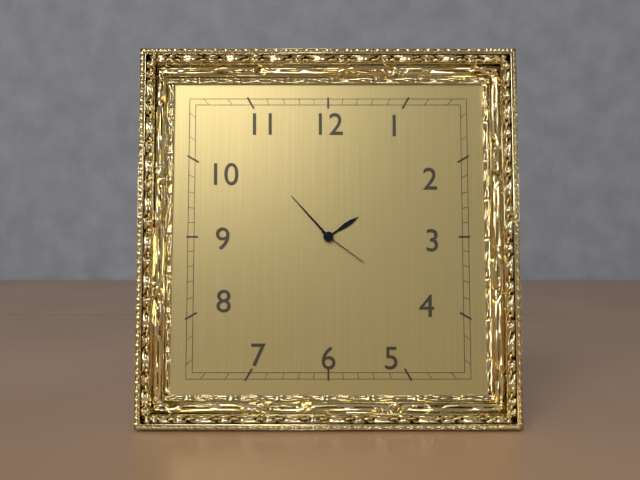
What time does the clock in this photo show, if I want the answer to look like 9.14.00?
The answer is 1.53.21
